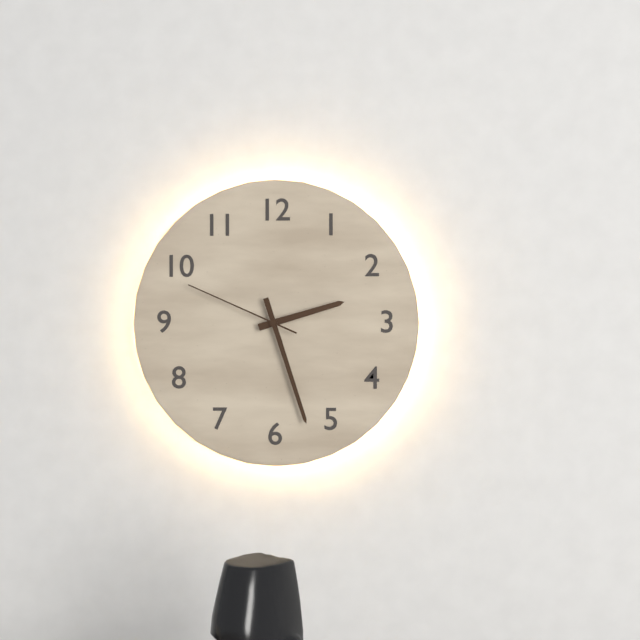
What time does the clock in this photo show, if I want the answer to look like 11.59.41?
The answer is 2.27.49
